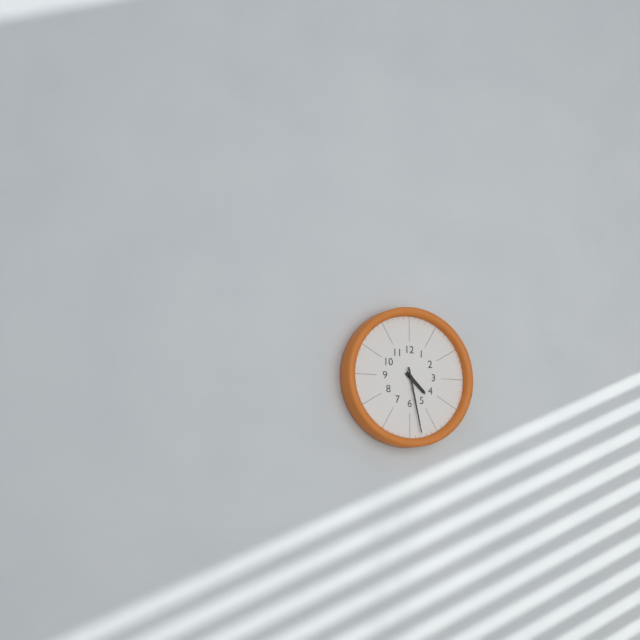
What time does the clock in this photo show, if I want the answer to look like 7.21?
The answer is 4.28
